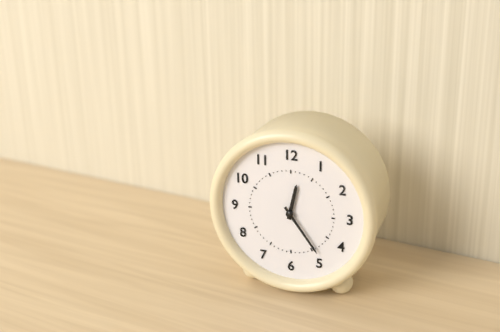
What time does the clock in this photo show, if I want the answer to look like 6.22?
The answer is 12.24
